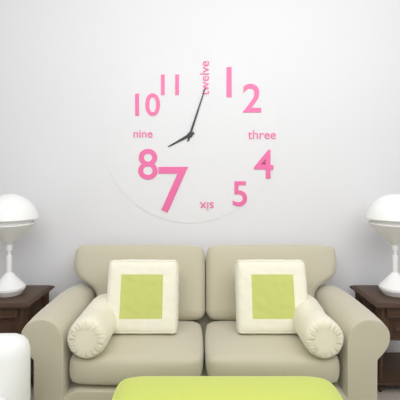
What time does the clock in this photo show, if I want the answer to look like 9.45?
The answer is 8.03
